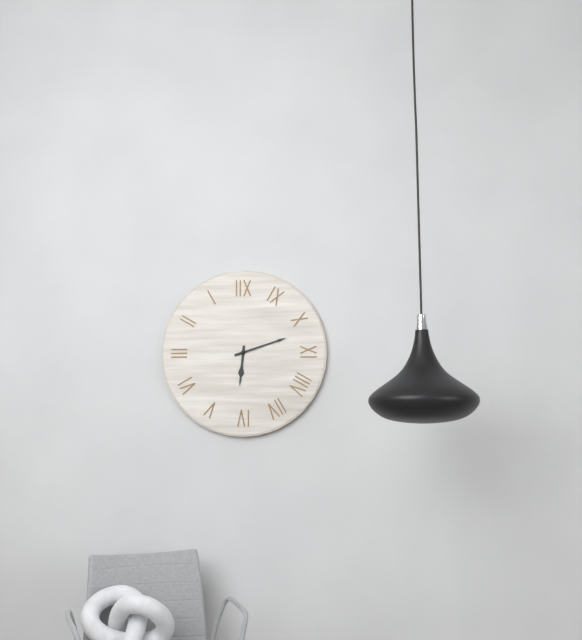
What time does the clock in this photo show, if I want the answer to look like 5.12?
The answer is 6.12
